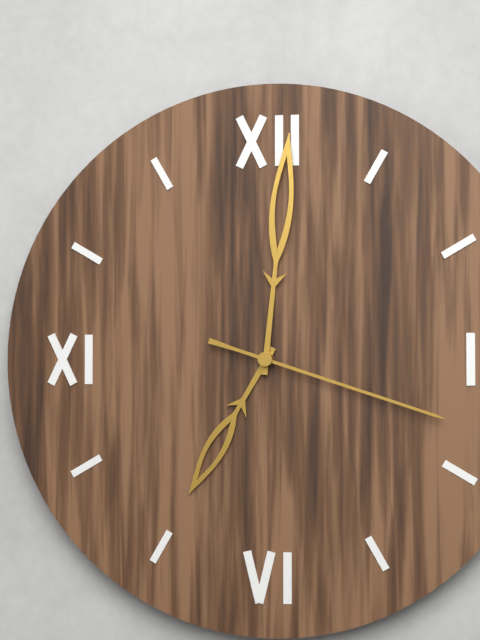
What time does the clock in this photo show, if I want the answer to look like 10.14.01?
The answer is 7.01.18
